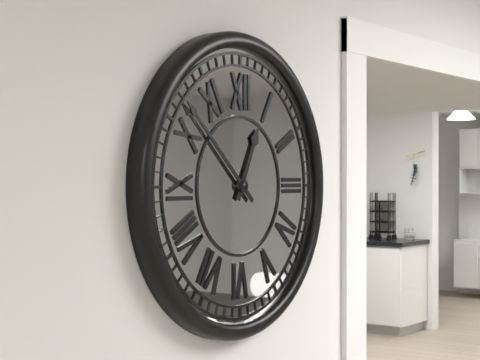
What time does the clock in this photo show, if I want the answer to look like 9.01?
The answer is 12.52
